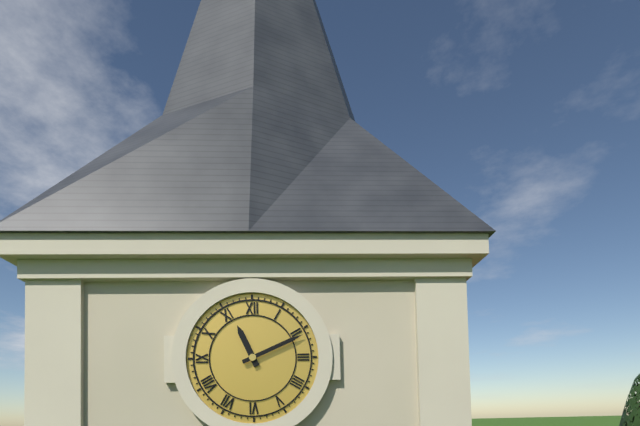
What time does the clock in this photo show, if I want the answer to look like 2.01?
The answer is 11.11
